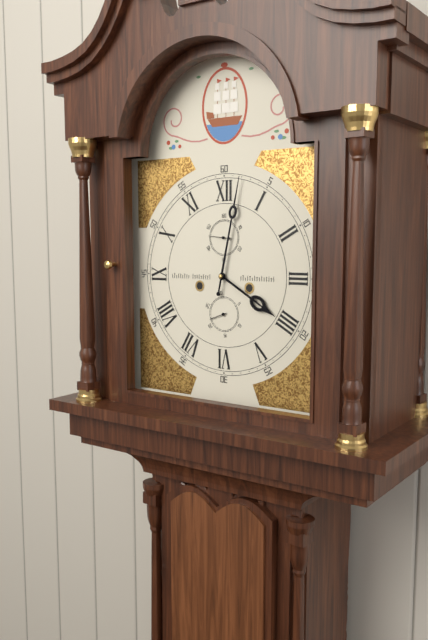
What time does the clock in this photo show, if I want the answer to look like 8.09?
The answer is 4.02
